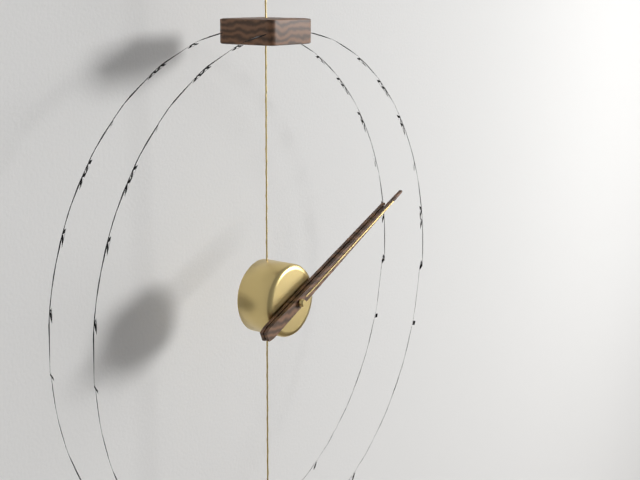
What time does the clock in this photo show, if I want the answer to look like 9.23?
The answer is 2.11
